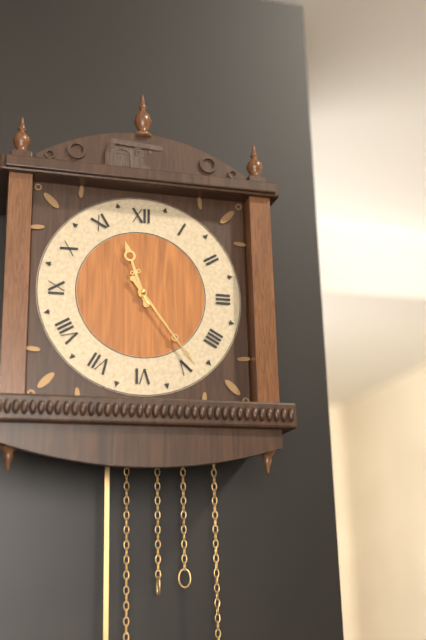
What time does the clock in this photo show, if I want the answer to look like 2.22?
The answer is 11.24
